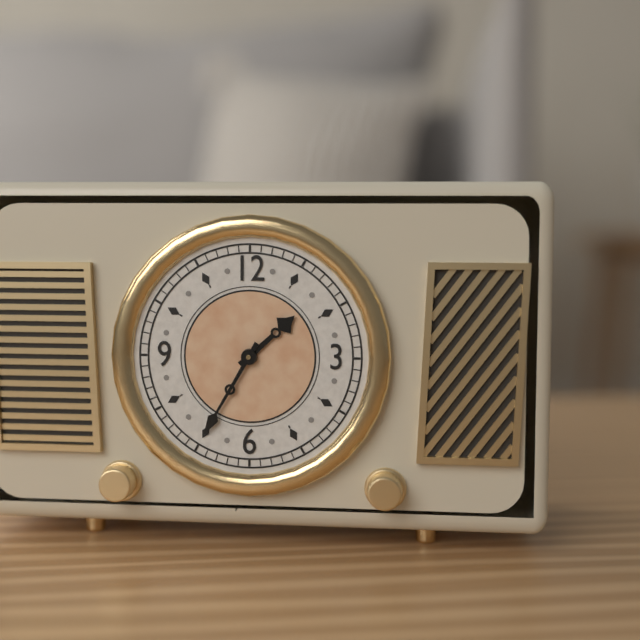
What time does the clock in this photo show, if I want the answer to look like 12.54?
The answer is 1.35
